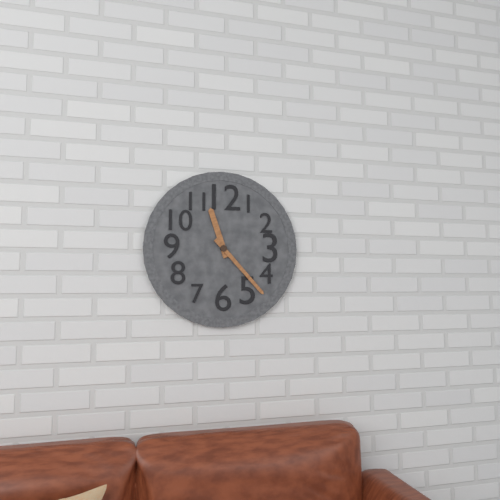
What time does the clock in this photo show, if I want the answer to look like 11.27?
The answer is 11.23
